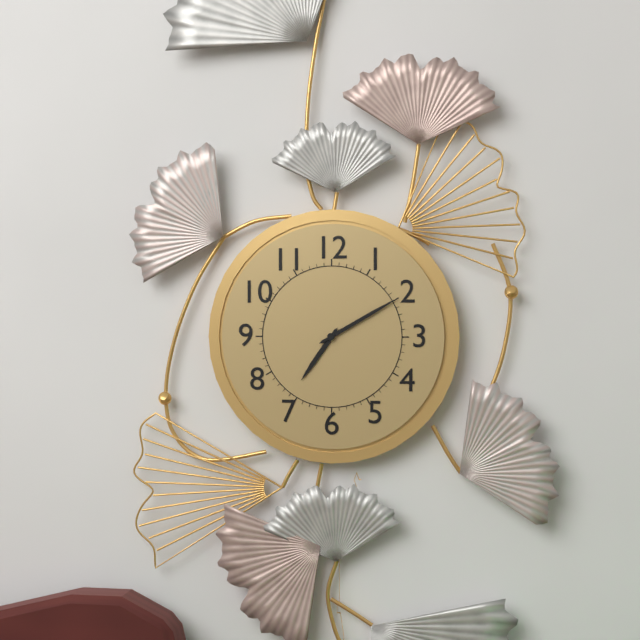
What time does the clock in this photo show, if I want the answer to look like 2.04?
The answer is 7.10
